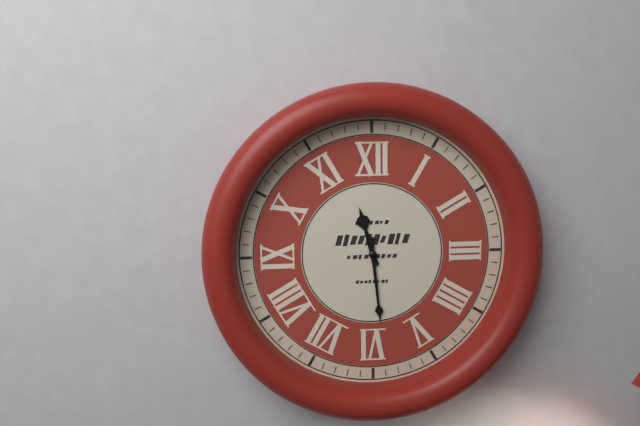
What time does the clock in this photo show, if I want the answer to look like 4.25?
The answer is 11.29
